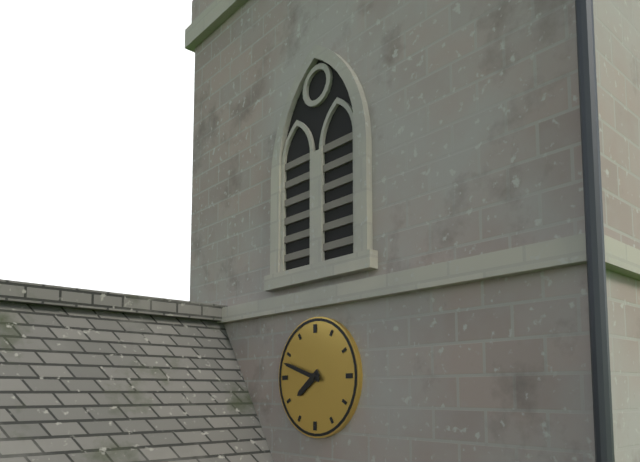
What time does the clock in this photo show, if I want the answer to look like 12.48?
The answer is 7.48
